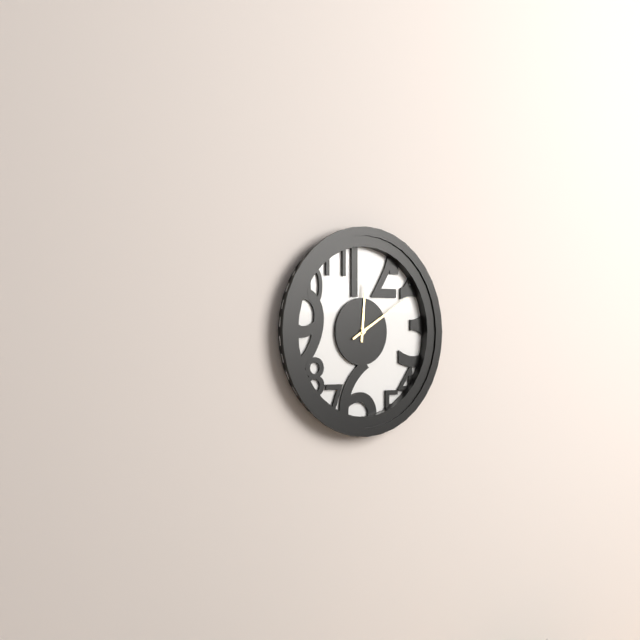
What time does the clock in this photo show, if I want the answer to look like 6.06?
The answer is 12.10
